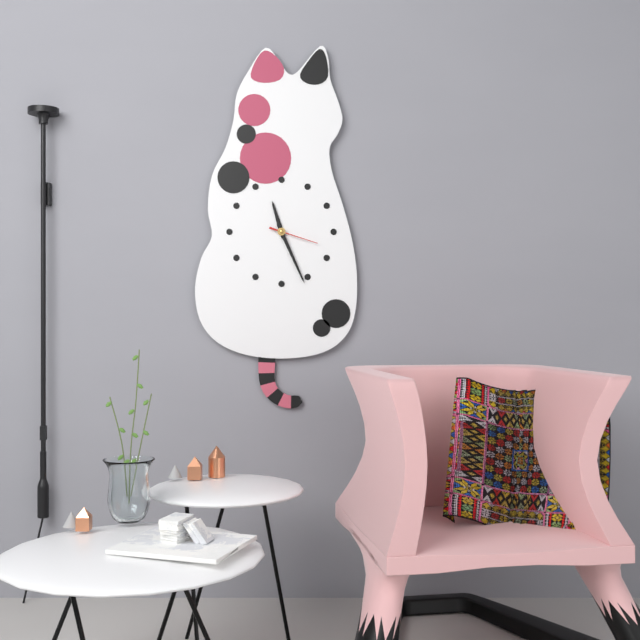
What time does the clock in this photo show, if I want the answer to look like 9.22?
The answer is 11.26
